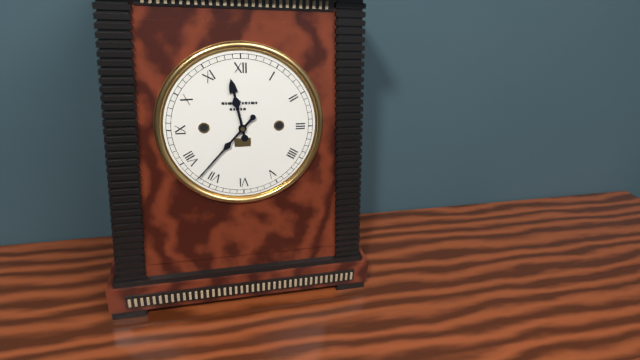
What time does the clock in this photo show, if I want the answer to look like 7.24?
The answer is 11.37
